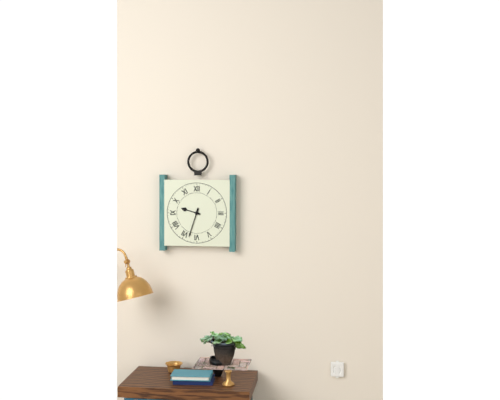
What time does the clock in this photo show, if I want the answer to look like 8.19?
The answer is 9.33
